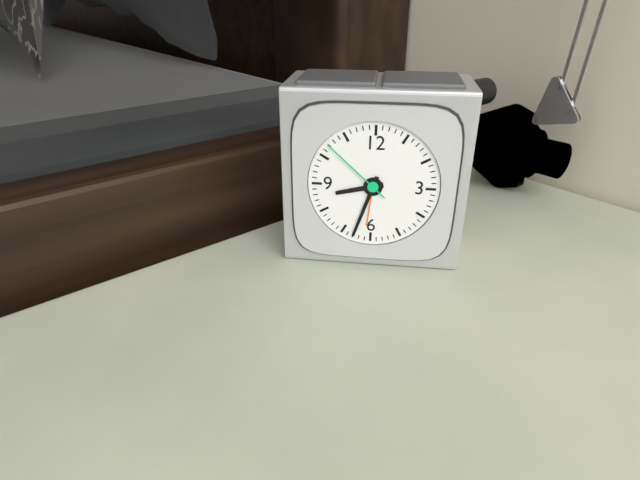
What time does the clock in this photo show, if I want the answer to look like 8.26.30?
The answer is 8.33.52
